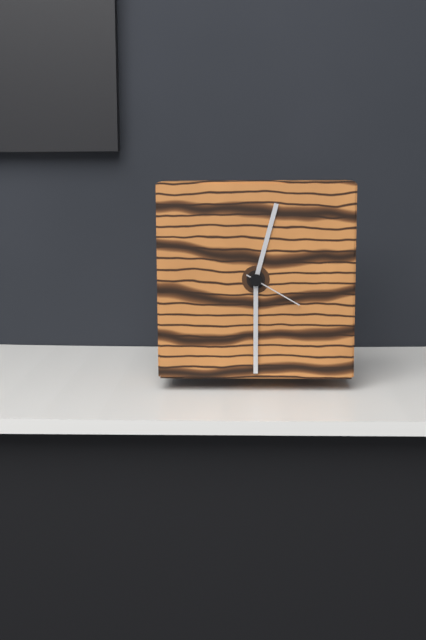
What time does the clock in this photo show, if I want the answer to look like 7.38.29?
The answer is 12.30.20
